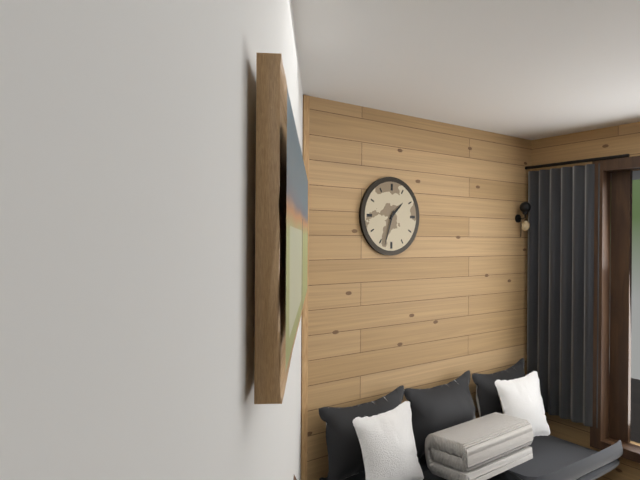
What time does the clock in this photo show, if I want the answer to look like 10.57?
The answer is 1.33
